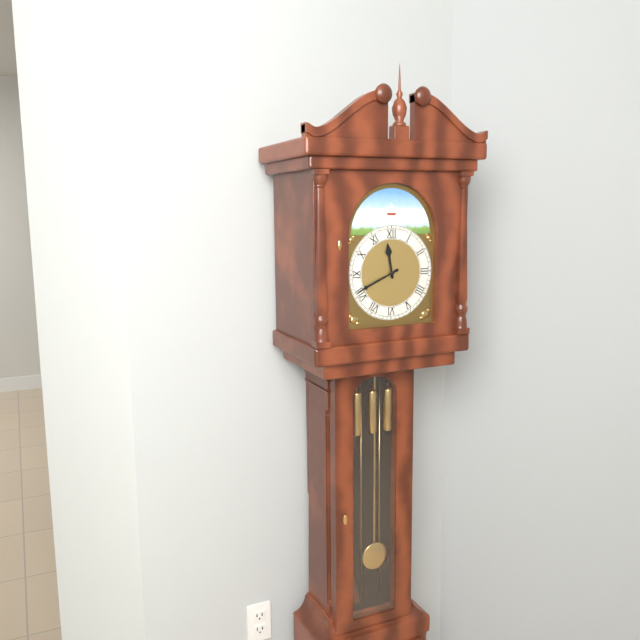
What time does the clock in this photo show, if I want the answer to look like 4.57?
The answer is 11.41
